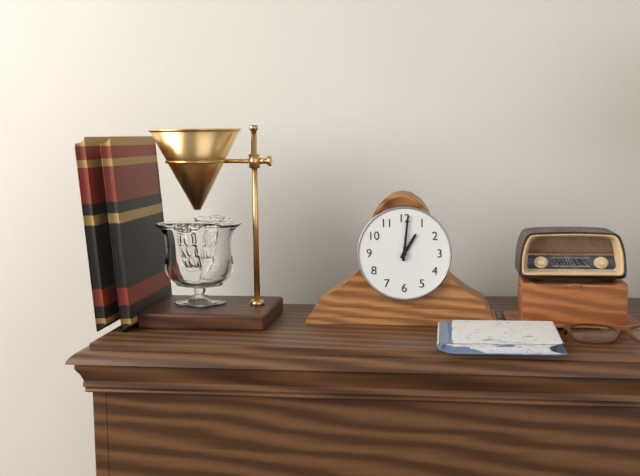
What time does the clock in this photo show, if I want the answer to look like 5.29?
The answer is 1.01
